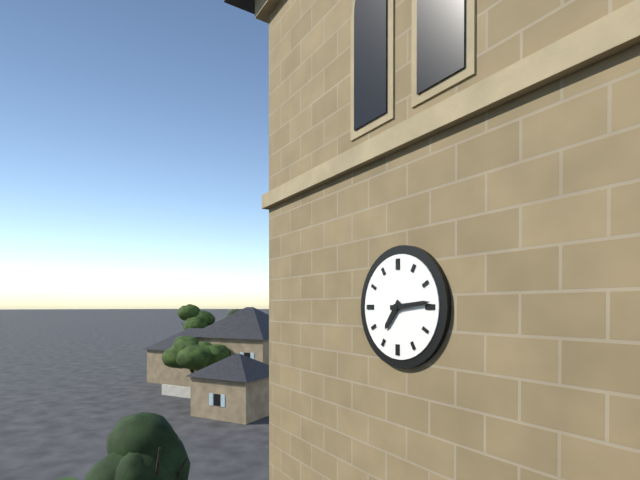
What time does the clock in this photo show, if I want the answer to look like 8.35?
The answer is 7.14
